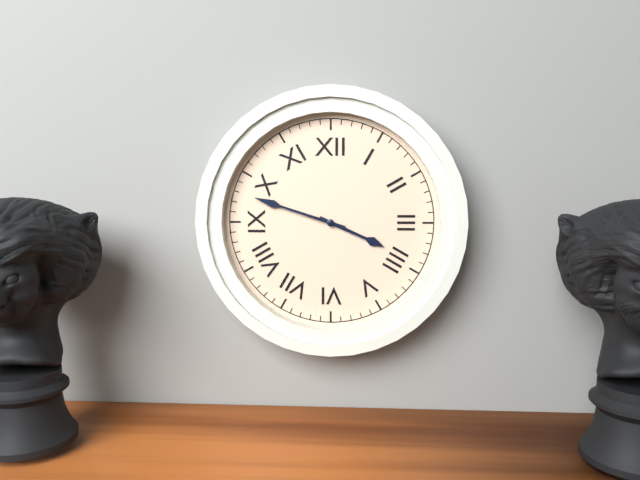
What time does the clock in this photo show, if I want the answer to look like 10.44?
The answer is 3.48
